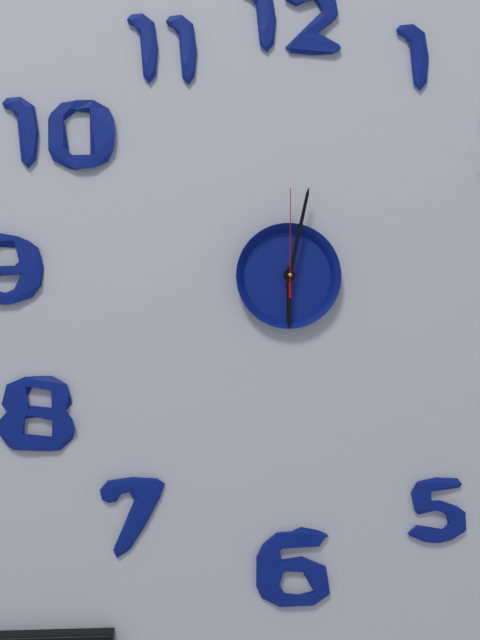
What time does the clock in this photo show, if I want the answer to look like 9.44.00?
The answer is 6.02.00
